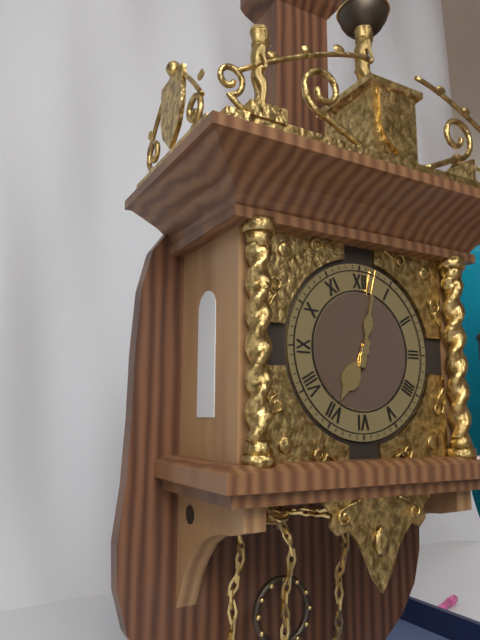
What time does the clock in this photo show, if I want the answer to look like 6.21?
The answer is 7.02
